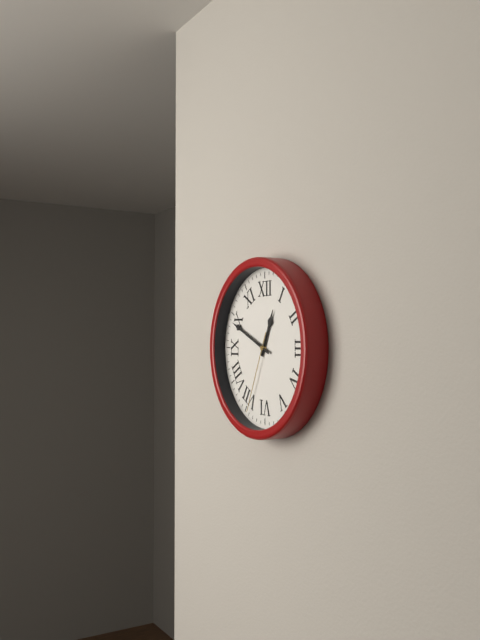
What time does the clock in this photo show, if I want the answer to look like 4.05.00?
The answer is 12.49.34
